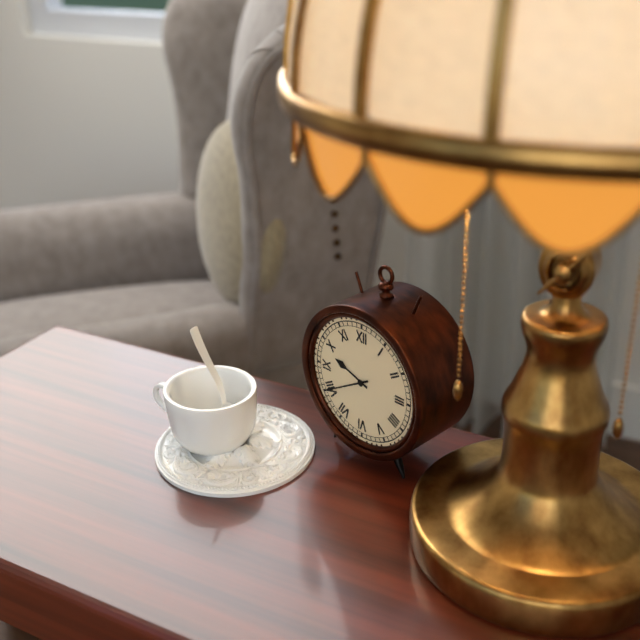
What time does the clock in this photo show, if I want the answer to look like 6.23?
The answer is 9.40
